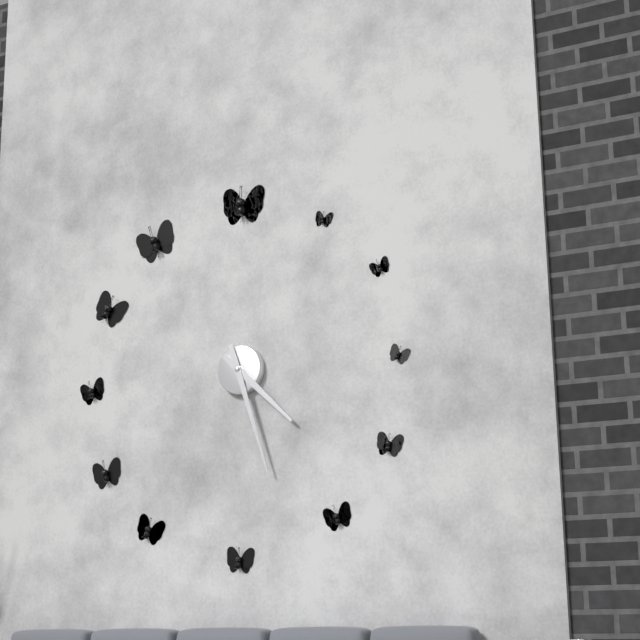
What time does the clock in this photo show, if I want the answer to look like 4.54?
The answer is 4.27
